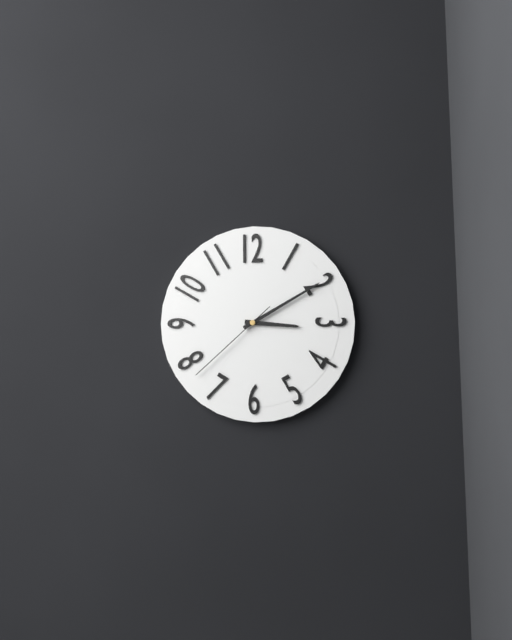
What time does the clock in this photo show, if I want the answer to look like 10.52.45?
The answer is 3.10.38
